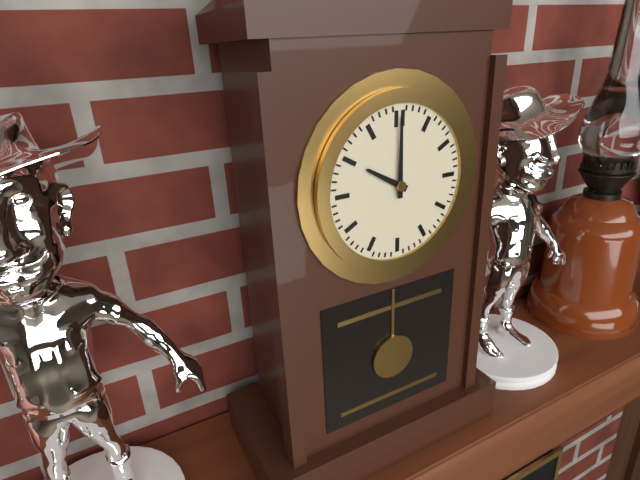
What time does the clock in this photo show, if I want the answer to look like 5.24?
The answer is 10.00
